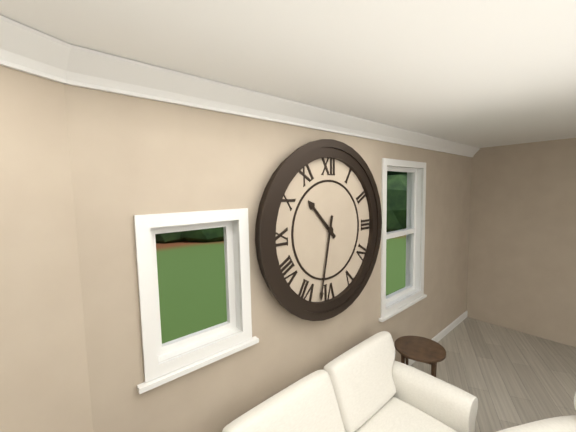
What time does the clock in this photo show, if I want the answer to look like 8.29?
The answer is 10.32
